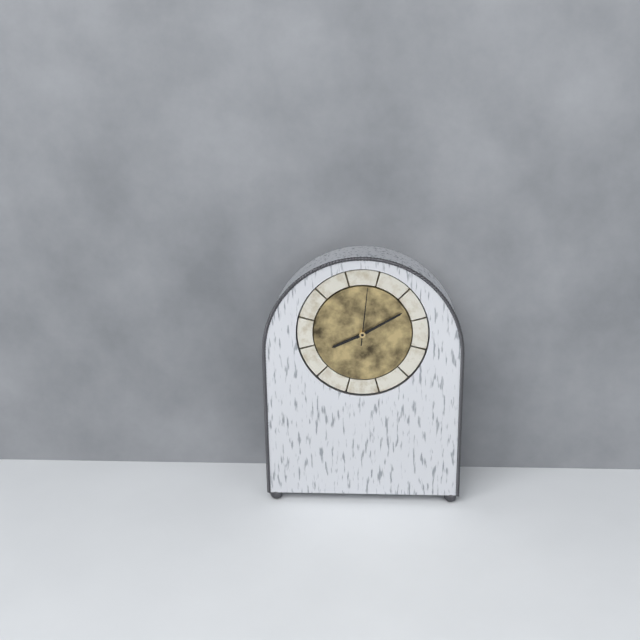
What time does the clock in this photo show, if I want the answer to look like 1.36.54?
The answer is 8.10.01
